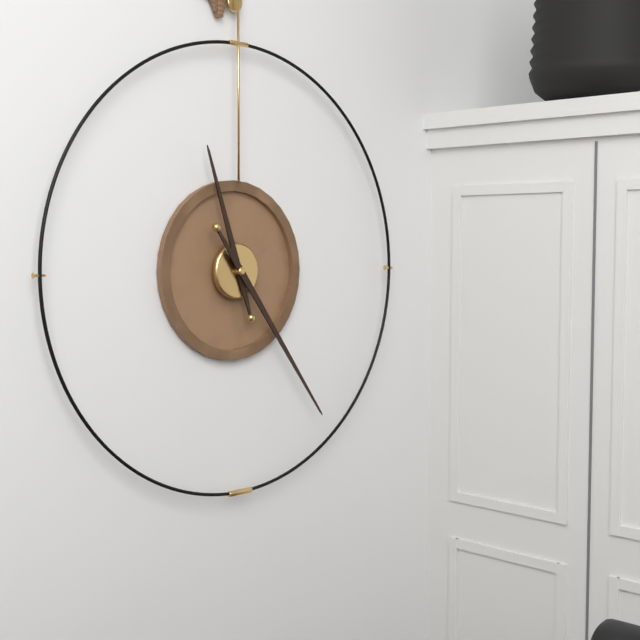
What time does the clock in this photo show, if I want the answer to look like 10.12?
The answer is 11.24
